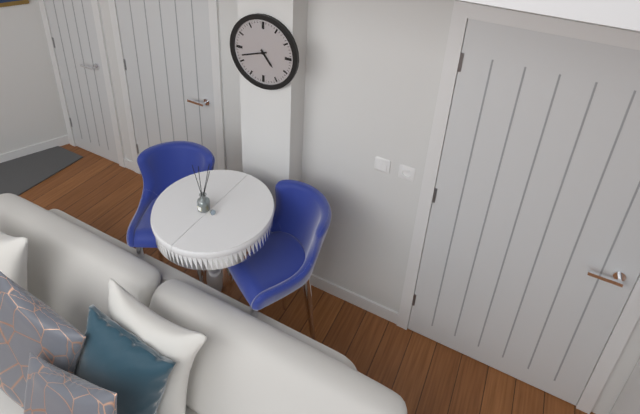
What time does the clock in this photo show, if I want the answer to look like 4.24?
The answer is 4.42
